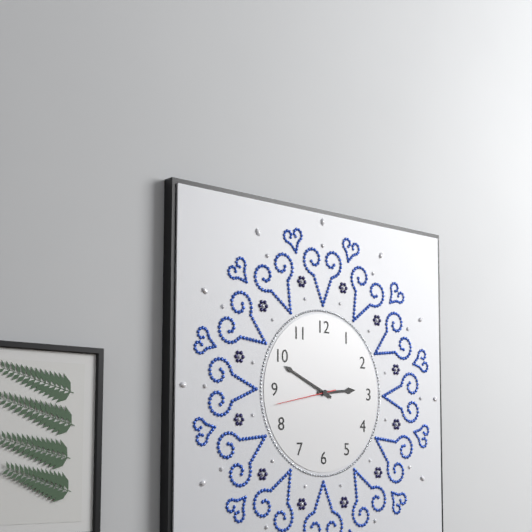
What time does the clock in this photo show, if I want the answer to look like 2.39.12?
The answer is 2.49.43
